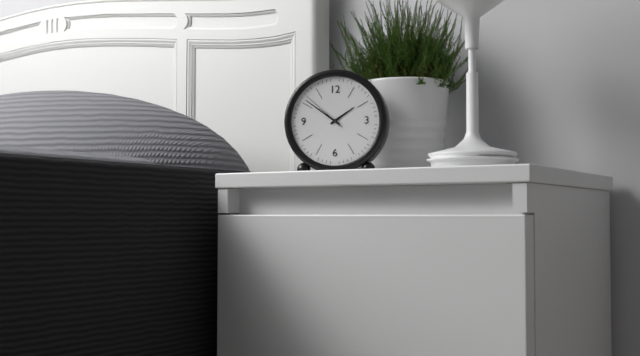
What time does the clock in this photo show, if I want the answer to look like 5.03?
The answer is 1.51
